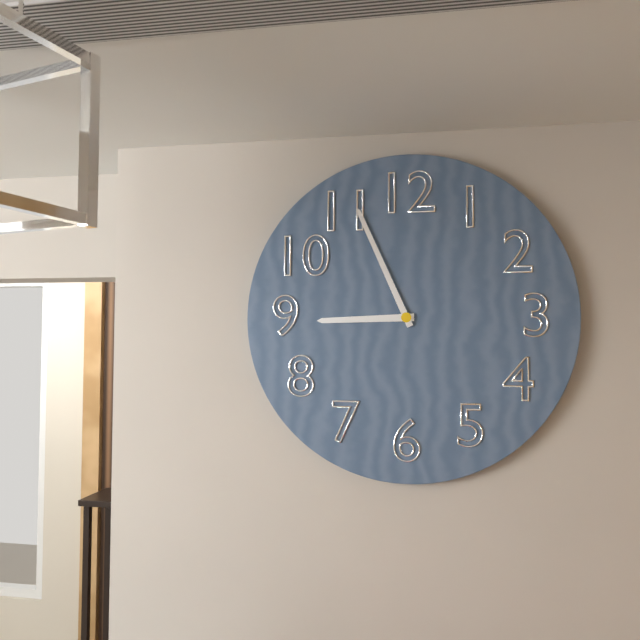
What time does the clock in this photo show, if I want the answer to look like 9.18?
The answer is 8.56
